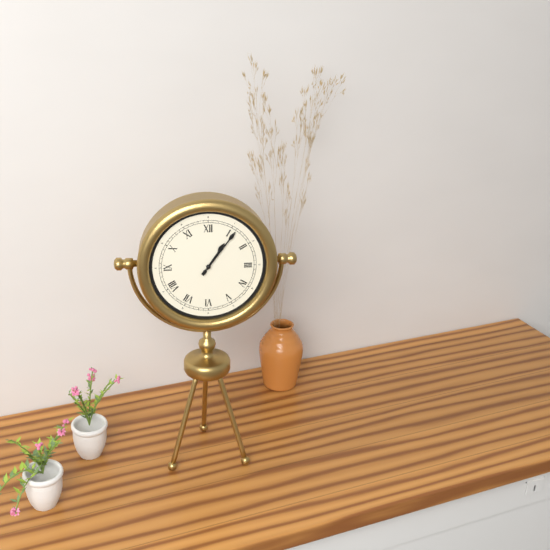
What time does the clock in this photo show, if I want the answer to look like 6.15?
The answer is 1.06
